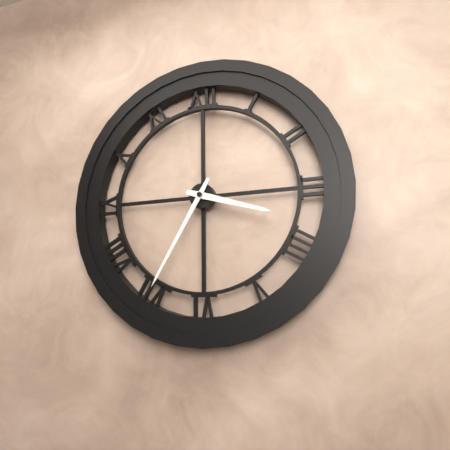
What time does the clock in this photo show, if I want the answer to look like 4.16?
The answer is 3.35
